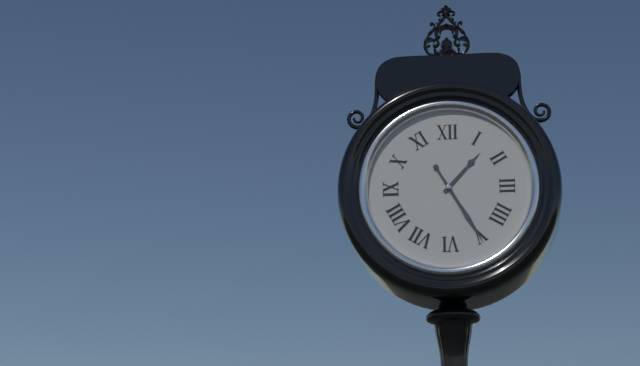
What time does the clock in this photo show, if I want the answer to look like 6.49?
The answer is 1.25
